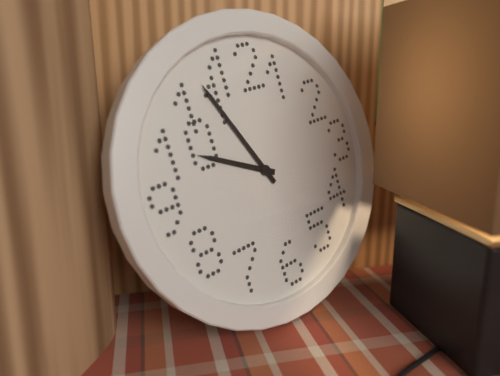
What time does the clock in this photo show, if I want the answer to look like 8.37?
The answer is 9.56
